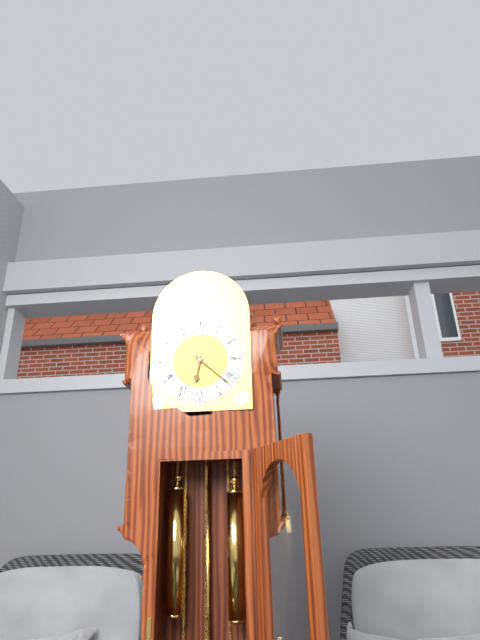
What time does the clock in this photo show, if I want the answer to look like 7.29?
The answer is 6.22
